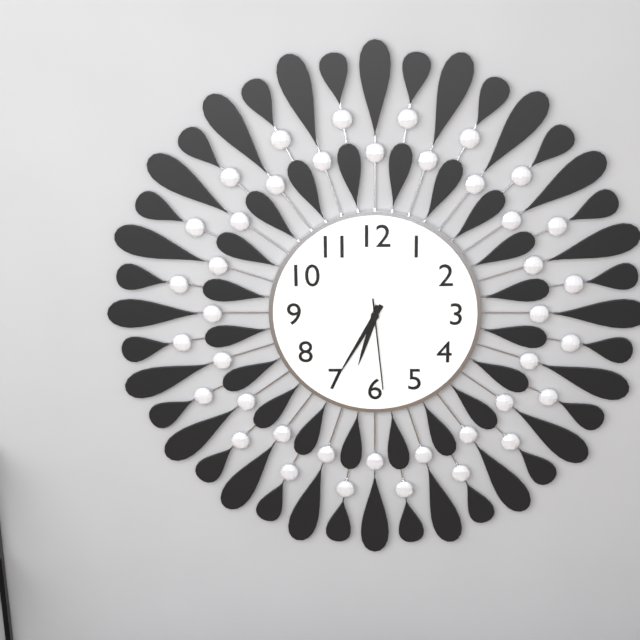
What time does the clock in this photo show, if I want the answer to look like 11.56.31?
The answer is 6.35.29
